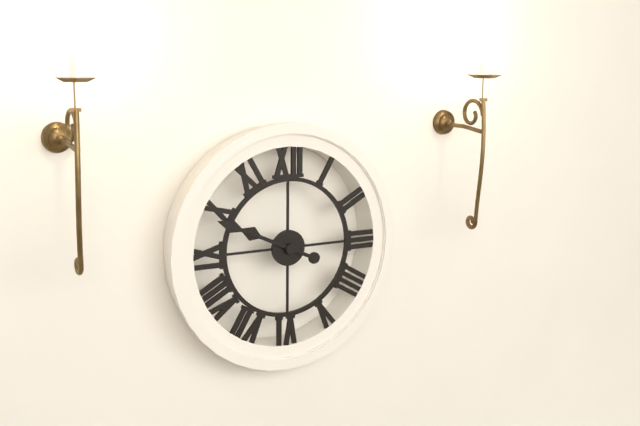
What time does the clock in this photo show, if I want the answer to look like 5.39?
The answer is 9.49
